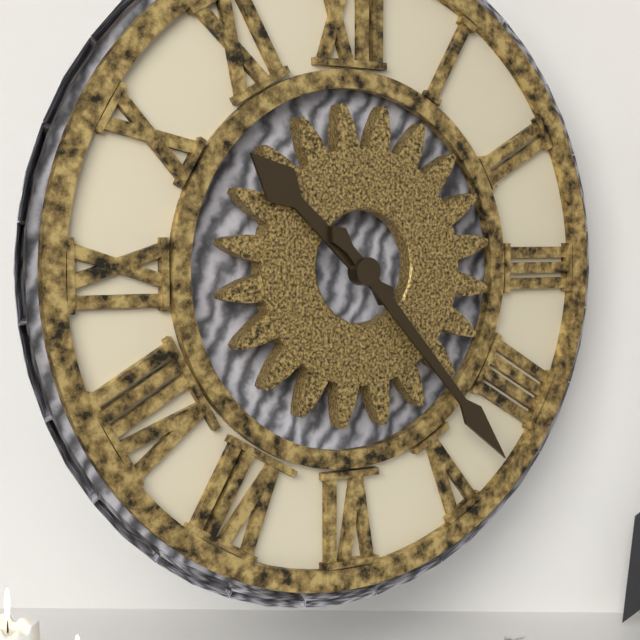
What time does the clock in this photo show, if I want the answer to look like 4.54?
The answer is 10.23
